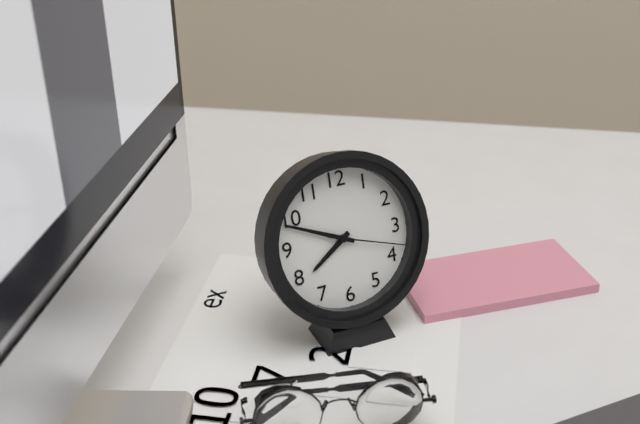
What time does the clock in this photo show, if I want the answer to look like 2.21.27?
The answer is 7.49.18
